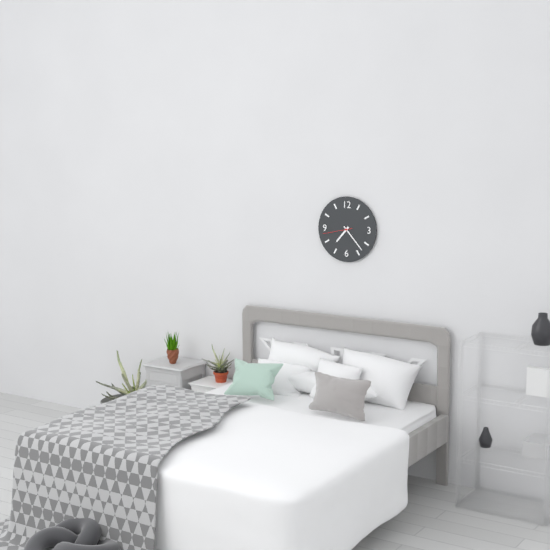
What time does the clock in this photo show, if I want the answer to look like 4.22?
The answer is 7.23
